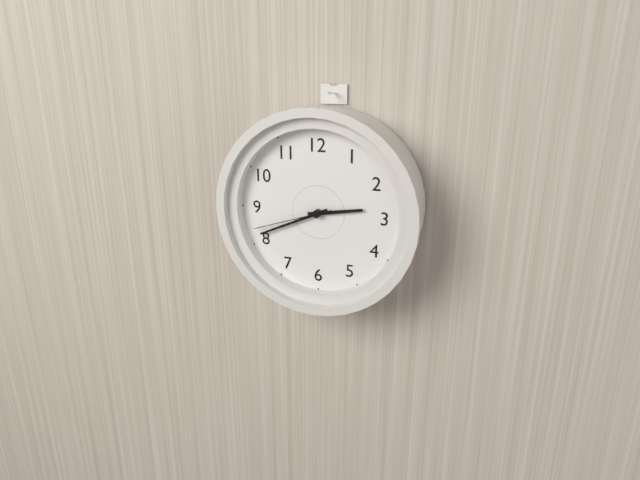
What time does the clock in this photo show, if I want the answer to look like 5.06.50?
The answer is 2.41.42
